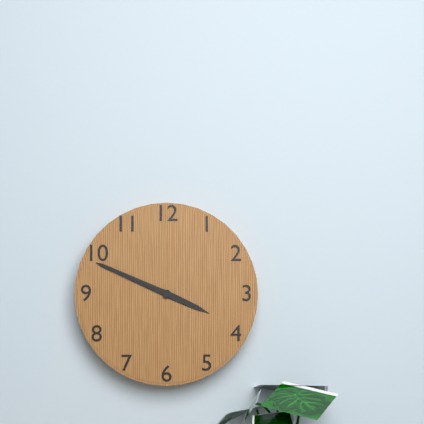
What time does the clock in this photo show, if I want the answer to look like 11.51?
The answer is 3.49
